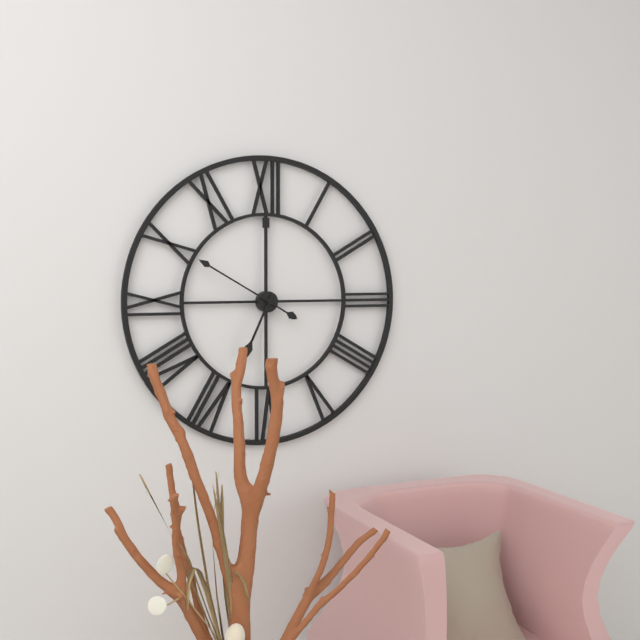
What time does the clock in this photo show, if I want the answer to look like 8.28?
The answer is 6.50
